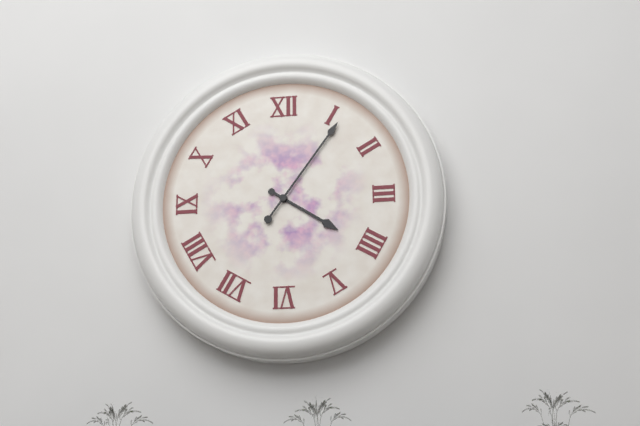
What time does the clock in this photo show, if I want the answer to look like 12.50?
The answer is 4.06
